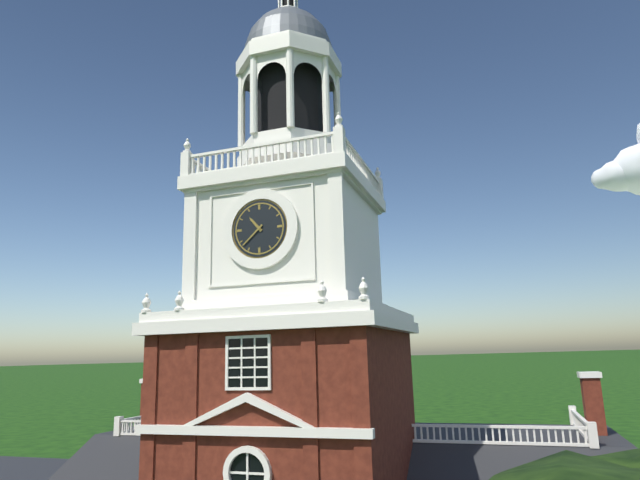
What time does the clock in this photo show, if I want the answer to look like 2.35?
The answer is 10.38
